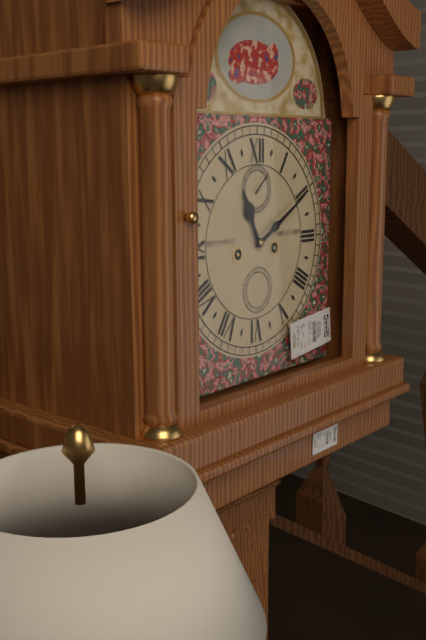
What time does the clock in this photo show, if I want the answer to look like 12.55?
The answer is 11.10
